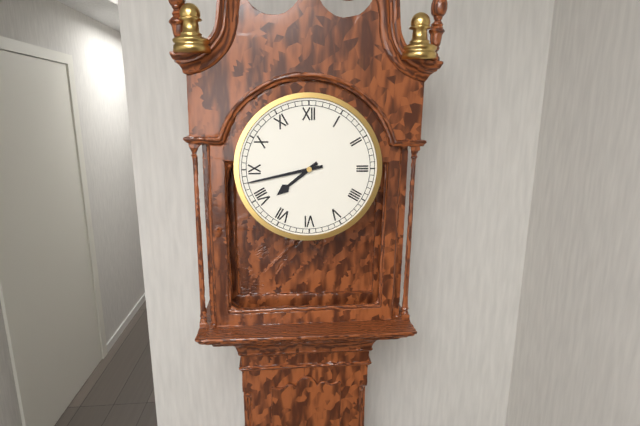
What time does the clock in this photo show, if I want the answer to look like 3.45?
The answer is 7.43
